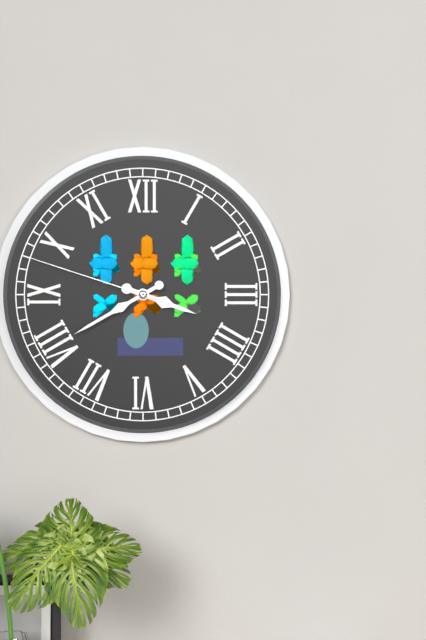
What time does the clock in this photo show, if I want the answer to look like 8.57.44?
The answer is 3.40.48
